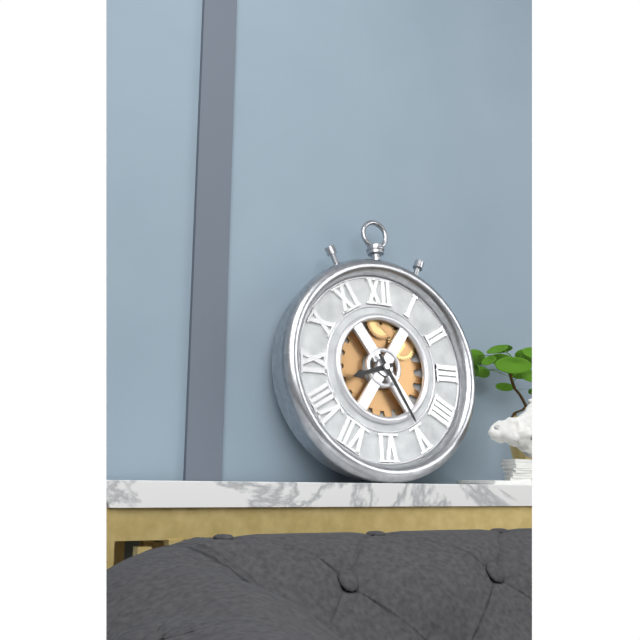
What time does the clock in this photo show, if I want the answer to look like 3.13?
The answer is 8.25
